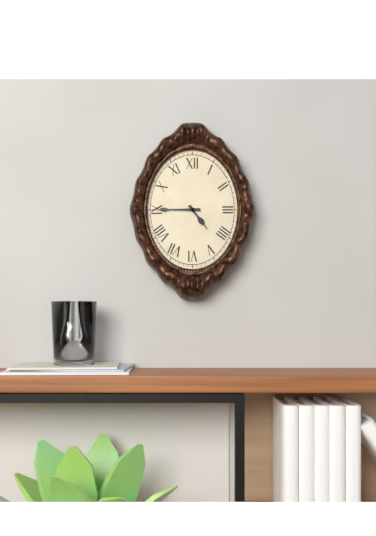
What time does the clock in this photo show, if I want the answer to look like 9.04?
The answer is 4.45
